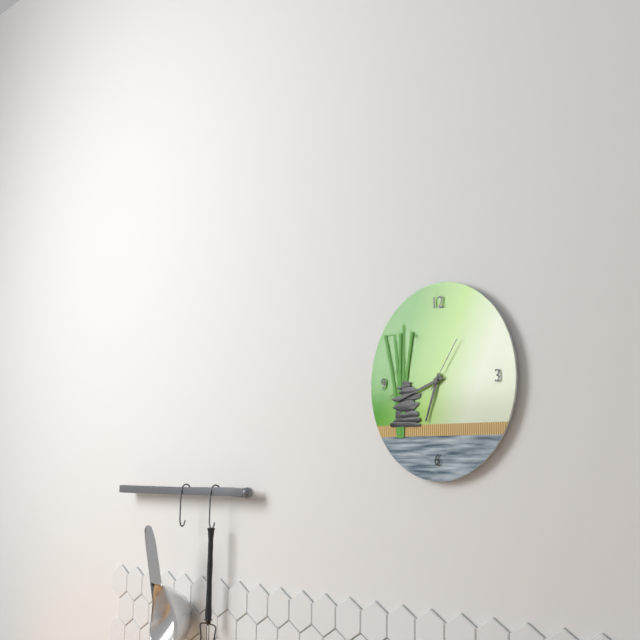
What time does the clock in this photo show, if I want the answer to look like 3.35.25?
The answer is 6.42.06
